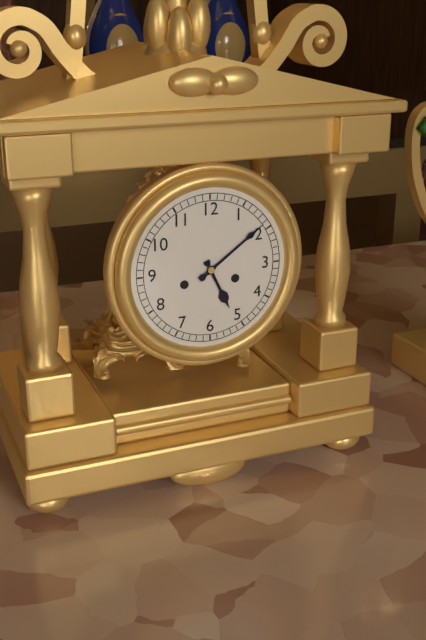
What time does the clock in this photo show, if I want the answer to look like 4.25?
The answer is 5.09
